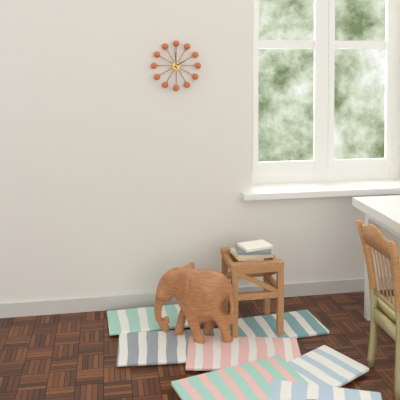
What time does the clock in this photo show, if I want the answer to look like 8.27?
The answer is 1.59
